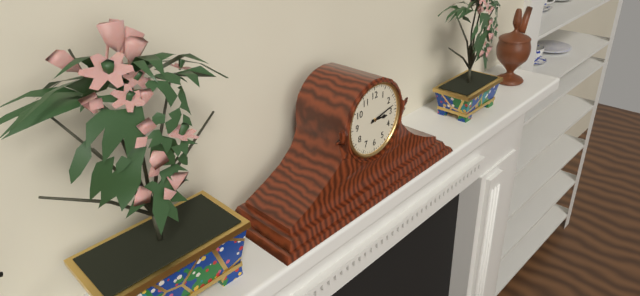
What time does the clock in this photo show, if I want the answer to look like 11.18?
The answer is 3.13
